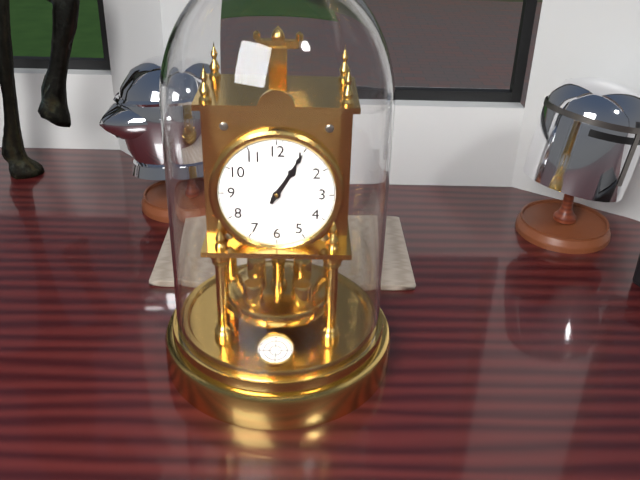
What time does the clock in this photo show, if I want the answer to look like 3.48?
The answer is 1.05
